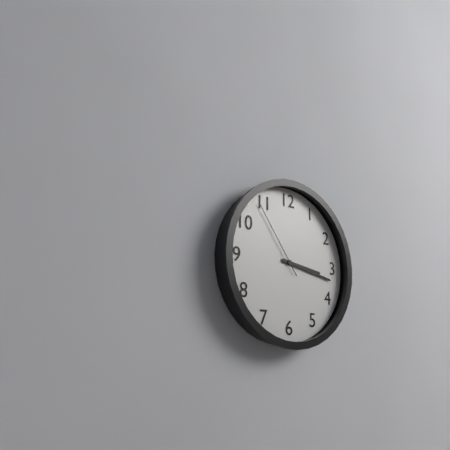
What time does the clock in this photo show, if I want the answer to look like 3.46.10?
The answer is 3.17.54
